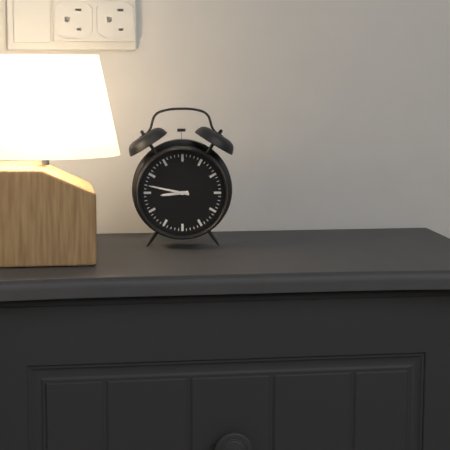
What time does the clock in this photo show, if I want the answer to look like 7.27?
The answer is 8.47
